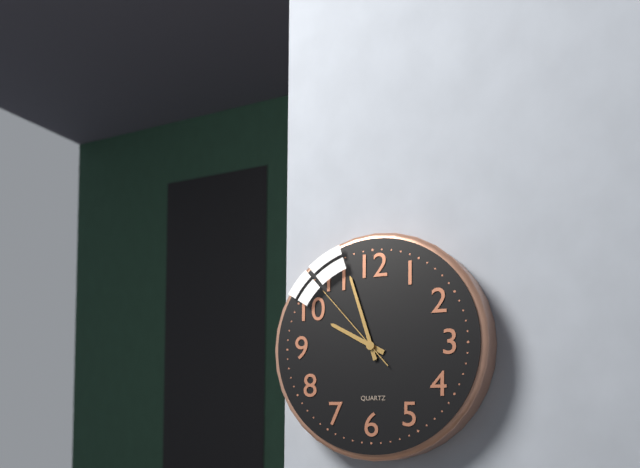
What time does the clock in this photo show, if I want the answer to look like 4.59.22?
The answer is 9.57.53
